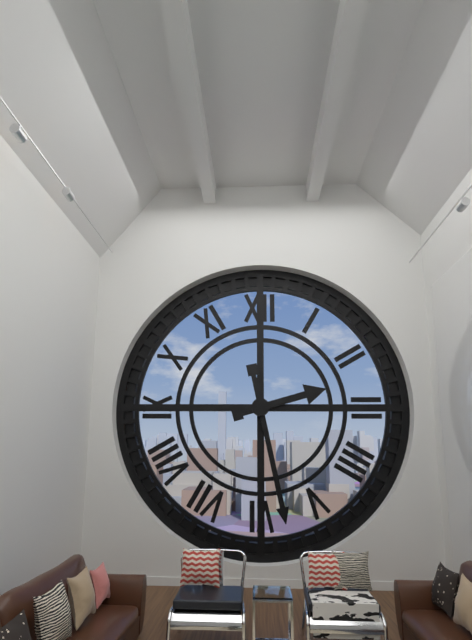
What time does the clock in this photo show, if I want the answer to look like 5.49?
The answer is 2.28
